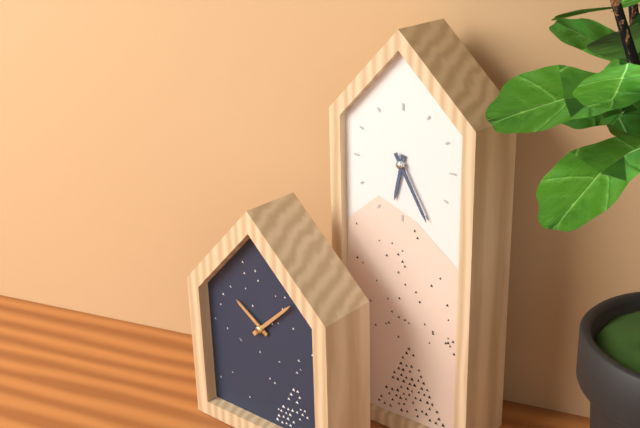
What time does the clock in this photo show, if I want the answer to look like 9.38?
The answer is 6.25
